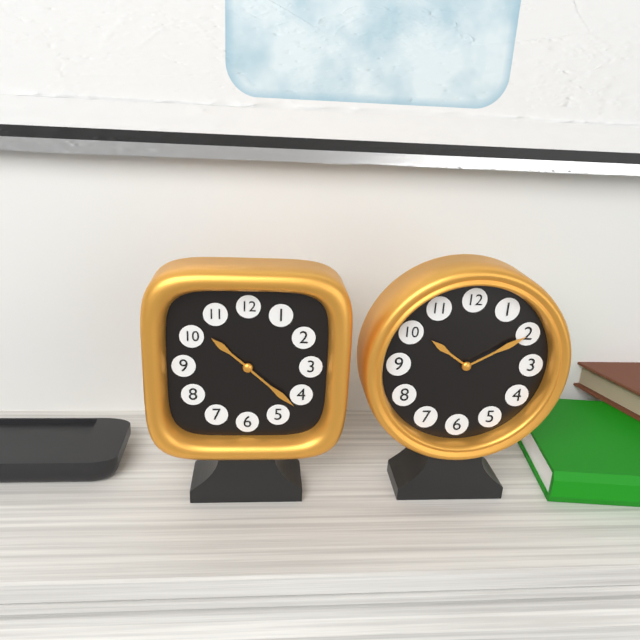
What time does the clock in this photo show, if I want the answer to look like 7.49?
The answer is 10.22
